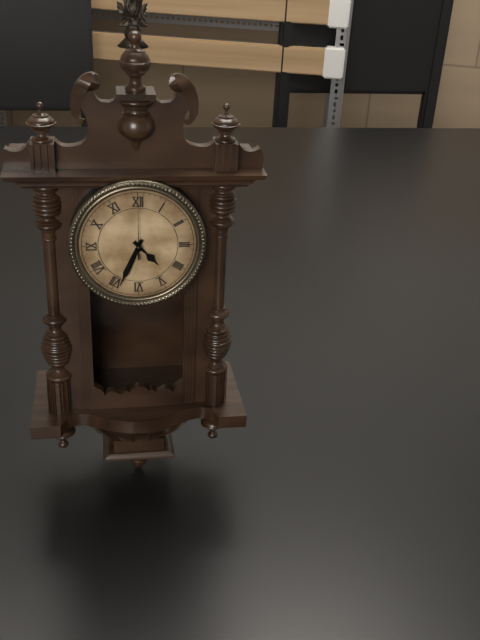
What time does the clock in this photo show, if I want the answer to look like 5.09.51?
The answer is 4.34.00
